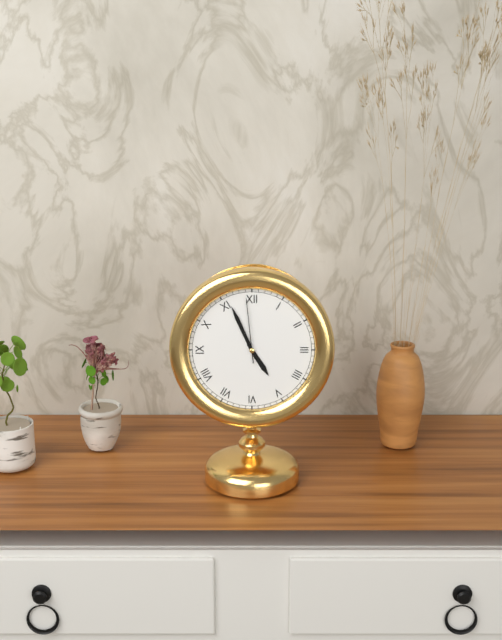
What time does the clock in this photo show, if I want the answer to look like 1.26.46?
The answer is 4.56.59
